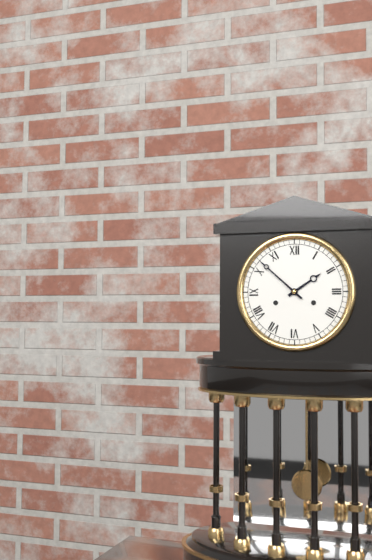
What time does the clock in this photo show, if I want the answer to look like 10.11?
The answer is 1.52
